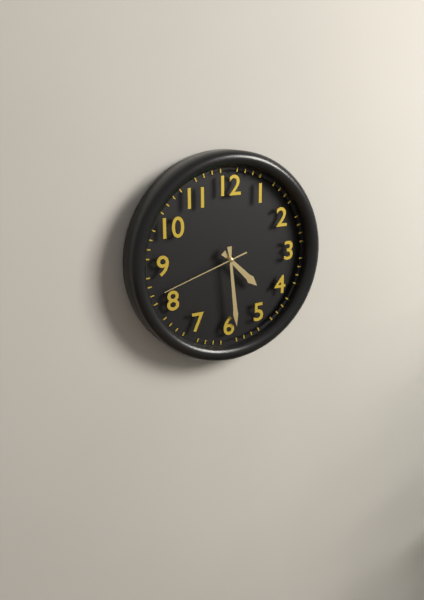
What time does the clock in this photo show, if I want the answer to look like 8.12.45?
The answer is 4.29.42
